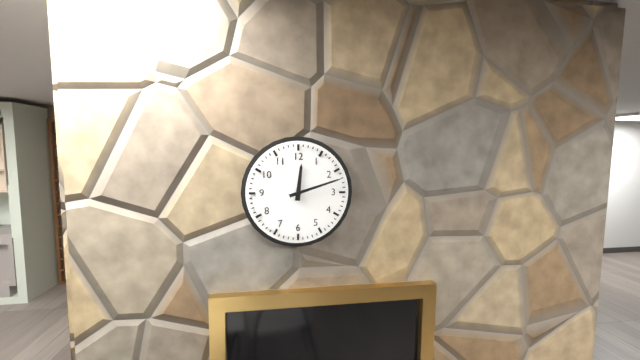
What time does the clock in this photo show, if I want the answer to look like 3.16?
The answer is 12.12
